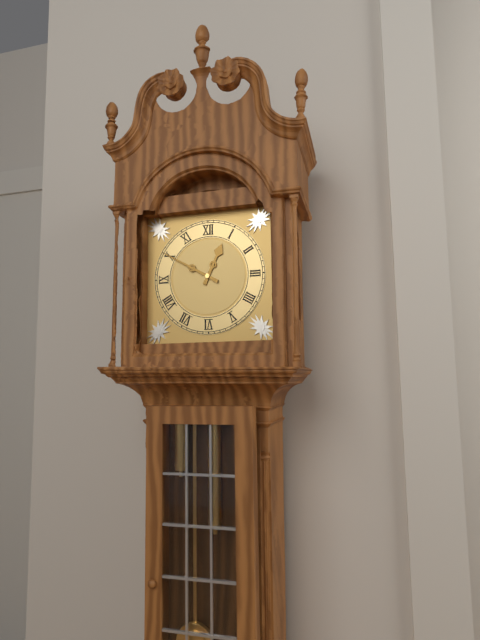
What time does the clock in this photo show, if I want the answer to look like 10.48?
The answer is 12.50
